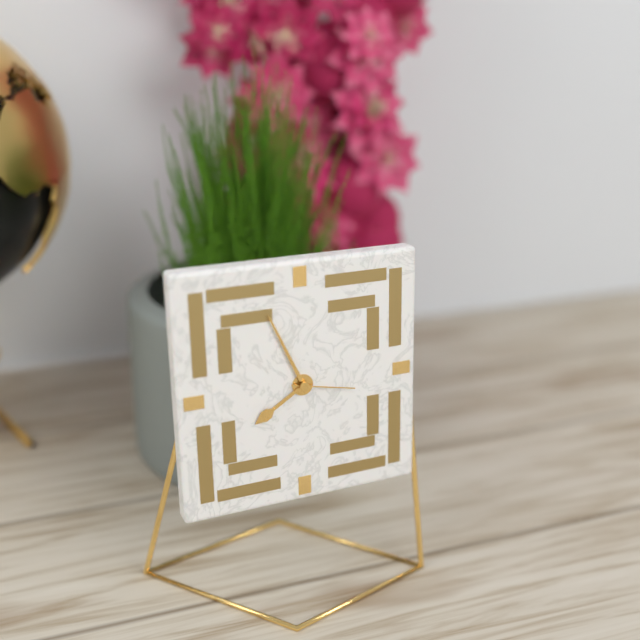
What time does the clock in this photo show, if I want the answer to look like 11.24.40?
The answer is 7.56.17
